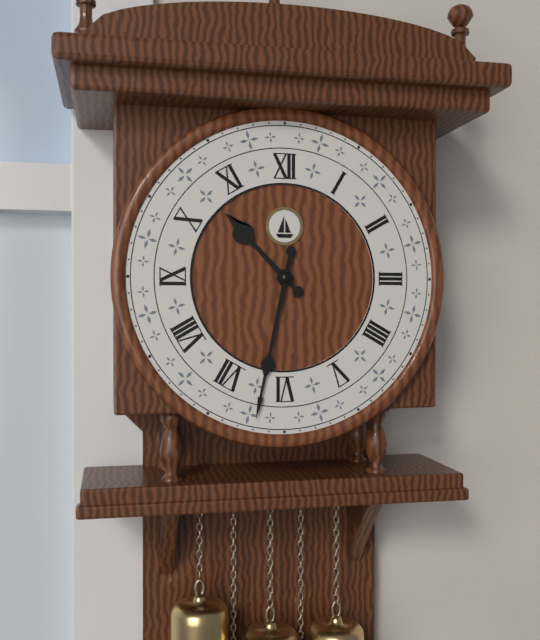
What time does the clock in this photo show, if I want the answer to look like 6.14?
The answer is 10.32
